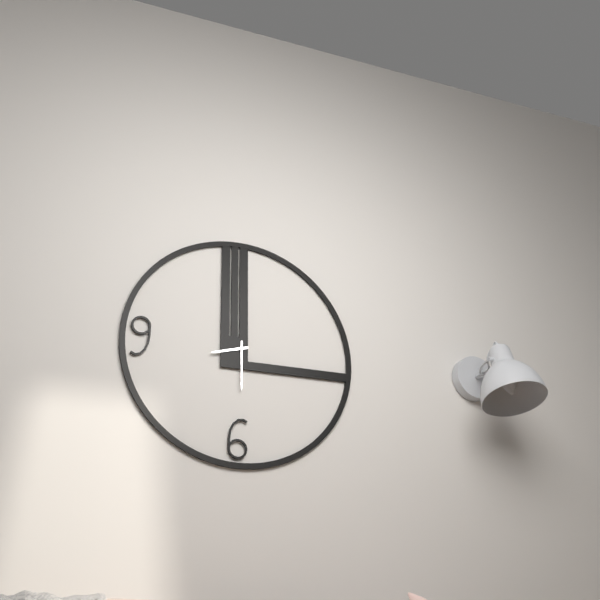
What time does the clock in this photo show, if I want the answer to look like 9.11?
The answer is 8.30
